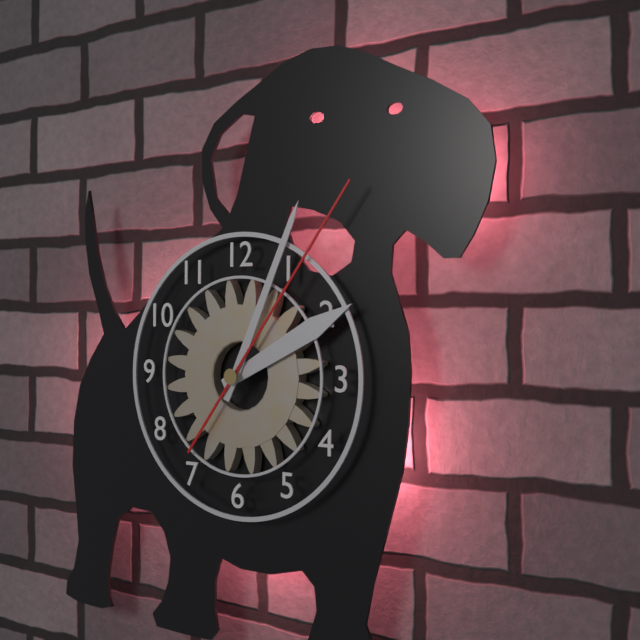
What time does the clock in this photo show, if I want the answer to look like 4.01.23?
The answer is 2.04.06
